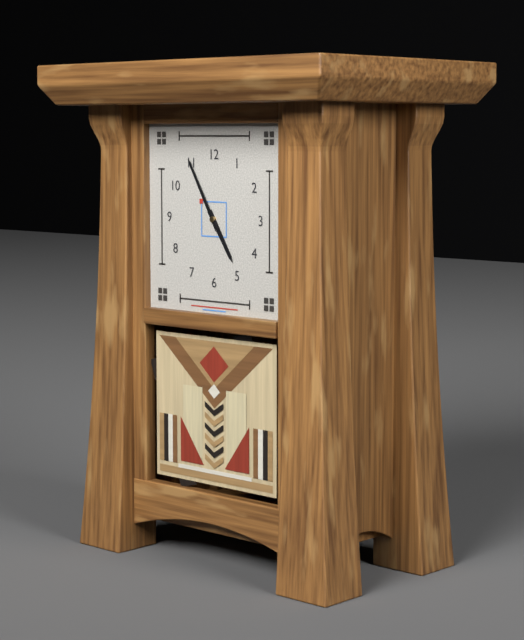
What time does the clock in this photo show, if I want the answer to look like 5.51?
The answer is 4.55
